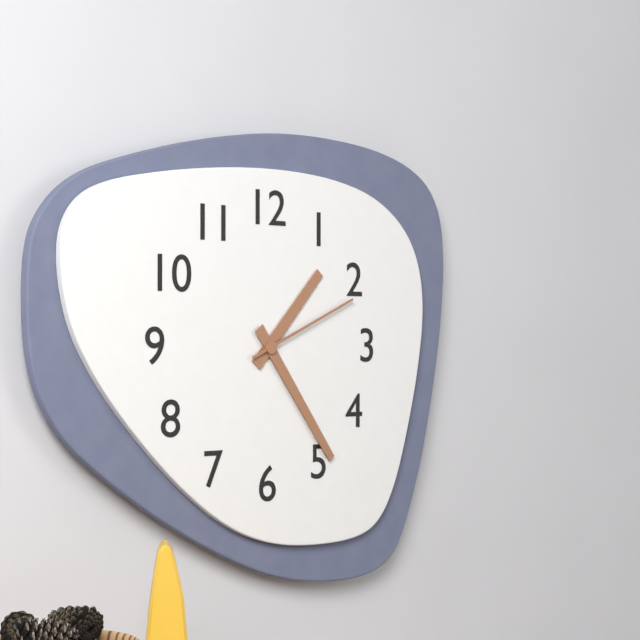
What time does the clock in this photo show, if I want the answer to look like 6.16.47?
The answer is 1.24.11
